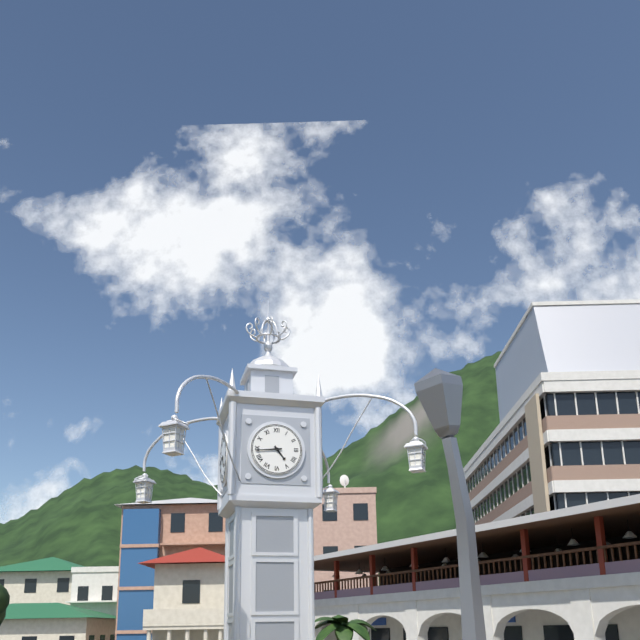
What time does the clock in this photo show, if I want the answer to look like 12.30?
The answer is 4.44
